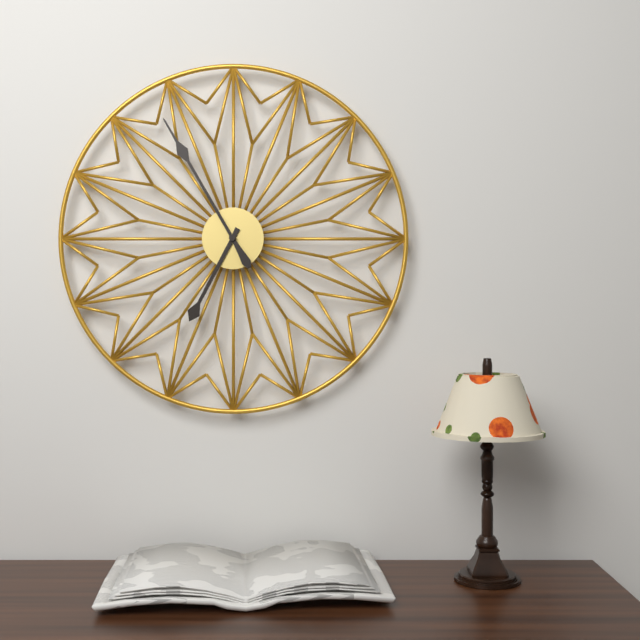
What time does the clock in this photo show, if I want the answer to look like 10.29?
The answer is 6.55
